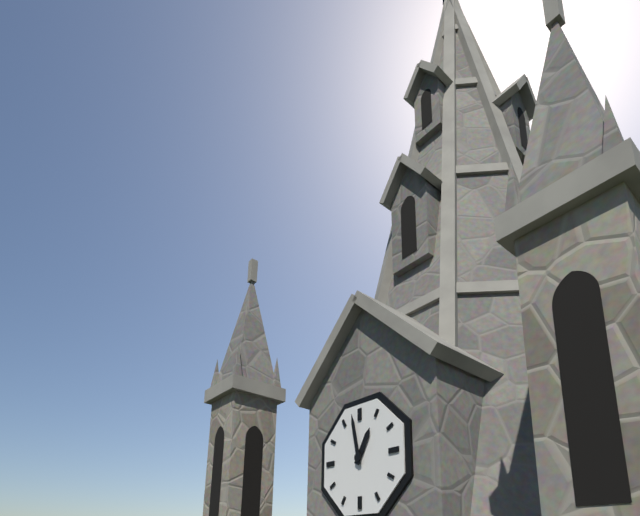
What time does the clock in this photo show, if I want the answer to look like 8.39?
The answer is 12.58
